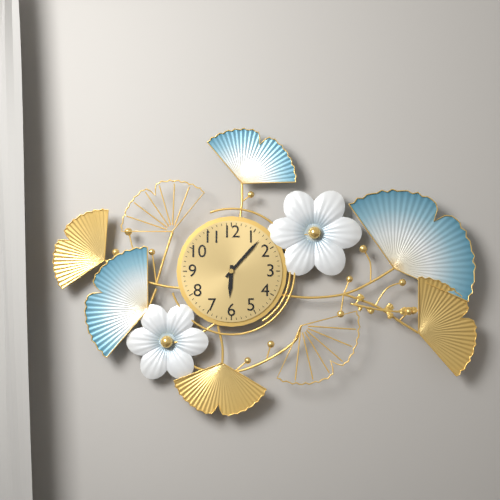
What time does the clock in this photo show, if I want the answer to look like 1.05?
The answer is 6.07
